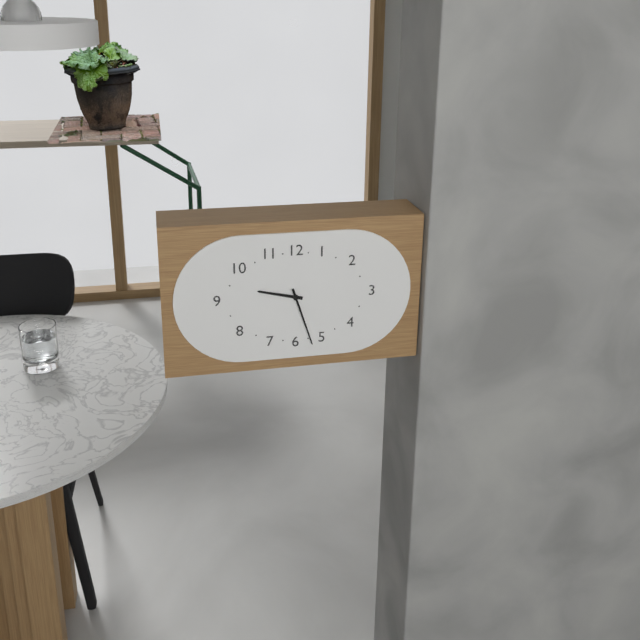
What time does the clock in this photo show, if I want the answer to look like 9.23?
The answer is 9.27
